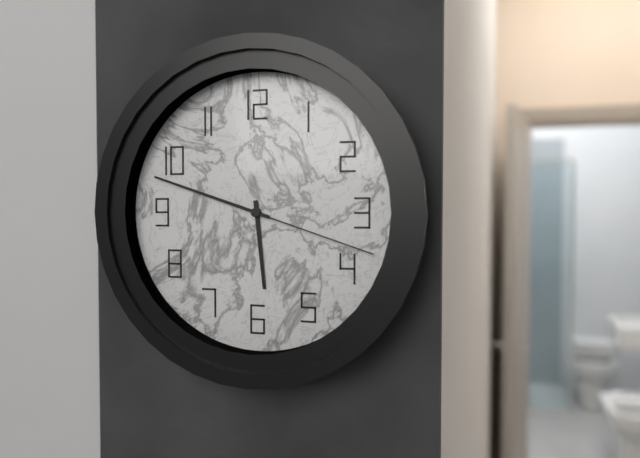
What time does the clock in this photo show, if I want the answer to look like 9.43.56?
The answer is 5.48.18
